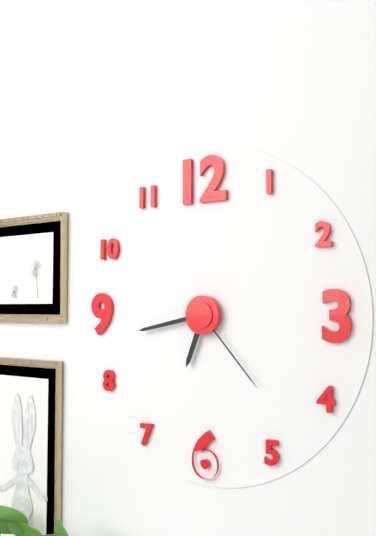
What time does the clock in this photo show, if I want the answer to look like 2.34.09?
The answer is 6.43.23
